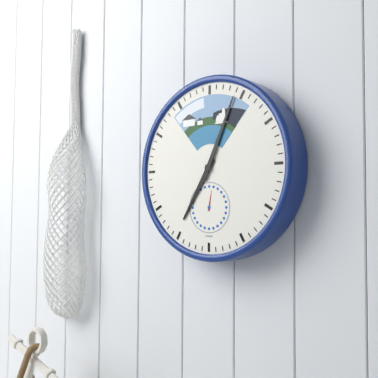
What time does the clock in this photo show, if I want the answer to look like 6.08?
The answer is 7.04
